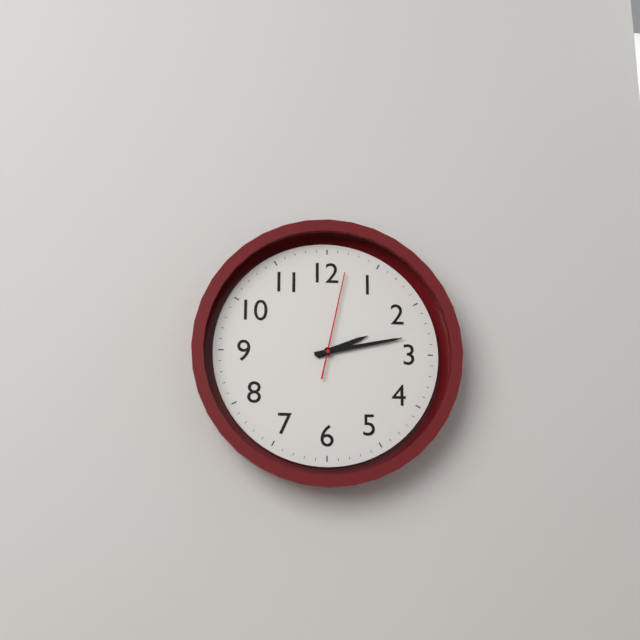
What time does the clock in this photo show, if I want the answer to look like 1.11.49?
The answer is 2.13.02
